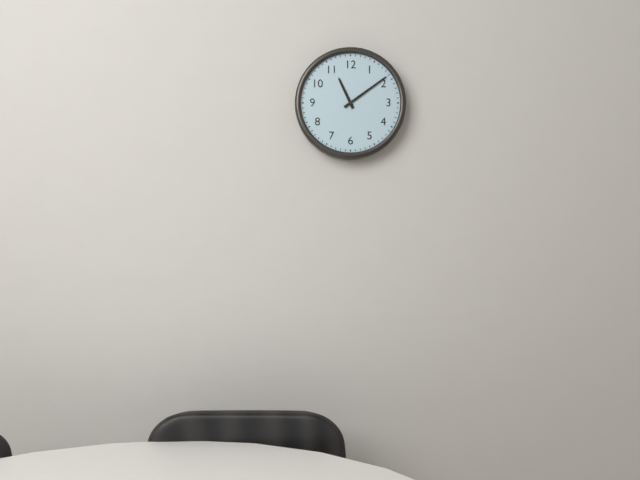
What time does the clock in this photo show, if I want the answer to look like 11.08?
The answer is 11.09
